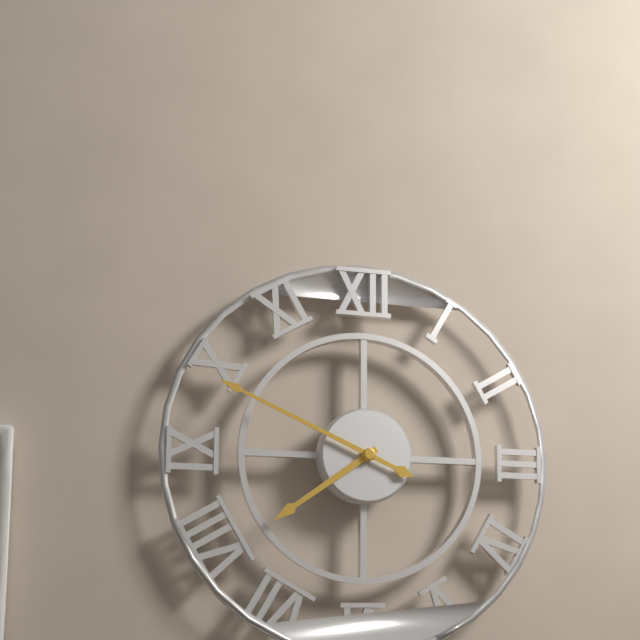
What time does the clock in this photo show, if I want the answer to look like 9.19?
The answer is 7.49
